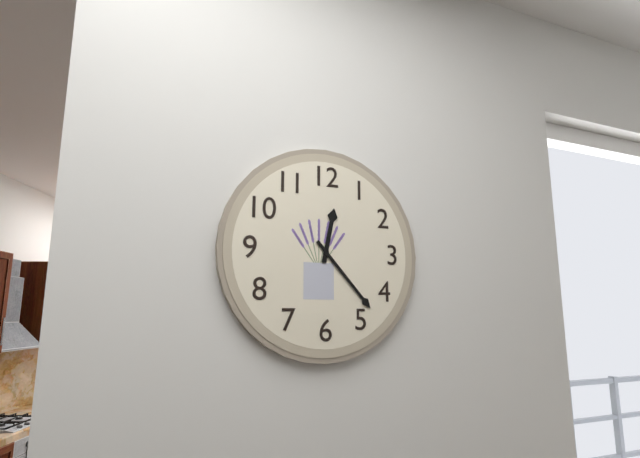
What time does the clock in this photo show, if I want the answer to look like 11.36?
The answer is 12.23
